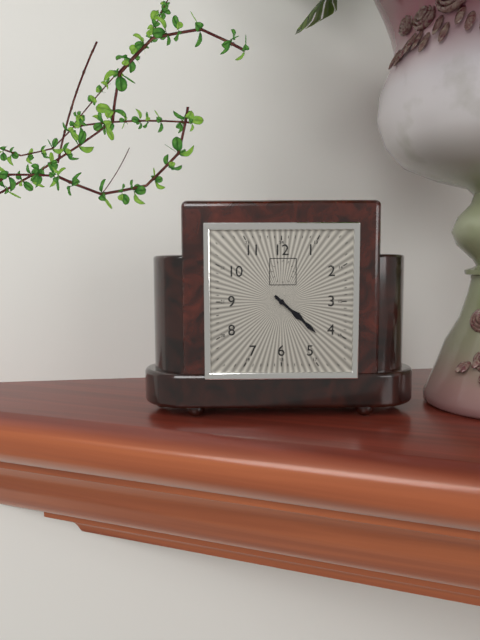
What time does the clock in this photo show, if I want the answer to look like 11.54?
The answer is 4.22
